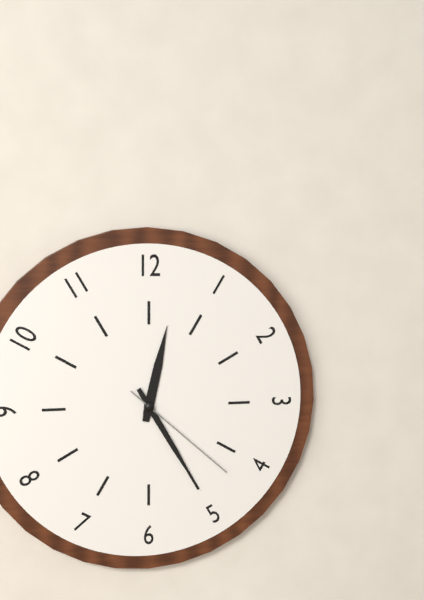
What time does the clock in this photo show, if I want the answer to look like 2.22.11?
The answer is 12.25.22
